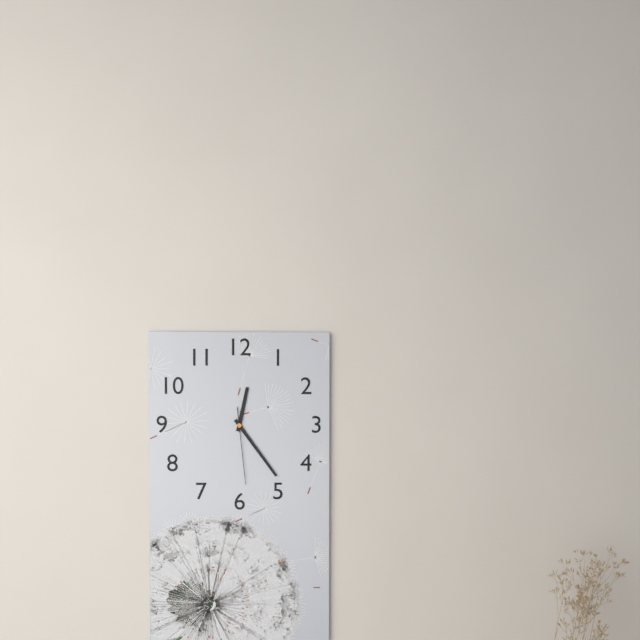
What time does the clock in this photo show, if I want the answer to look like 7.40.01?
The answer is 12.24.29
